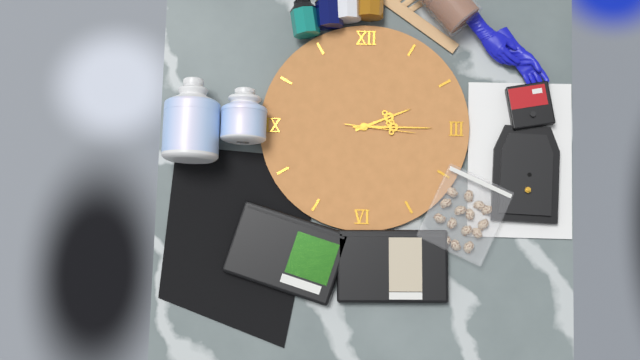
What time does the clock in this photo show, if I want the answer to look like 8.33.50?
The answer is 2.15.16
